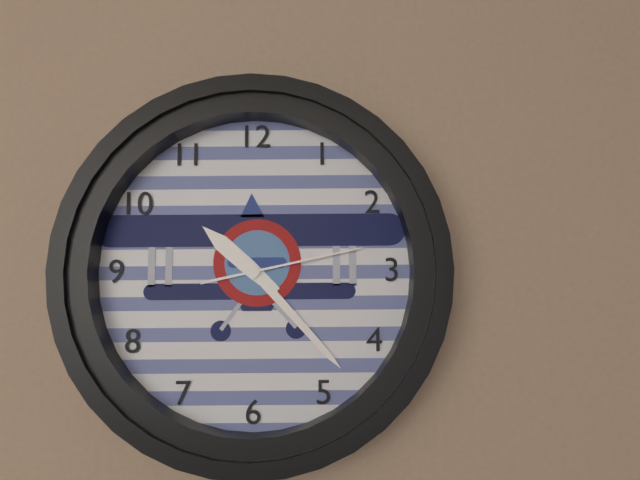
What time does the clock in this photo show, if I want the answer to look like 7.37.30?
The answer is 10.23.13
